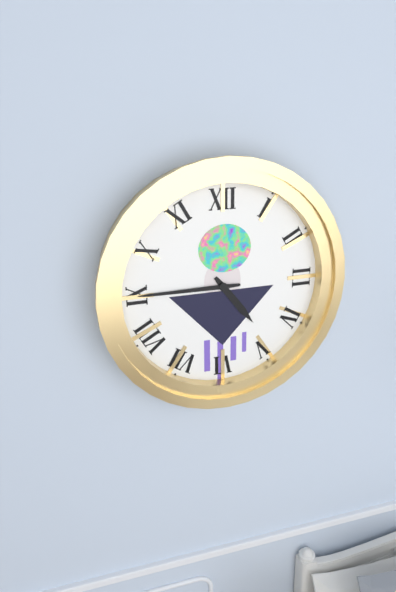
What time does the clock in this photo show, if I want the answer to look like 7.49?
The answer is 4.45
